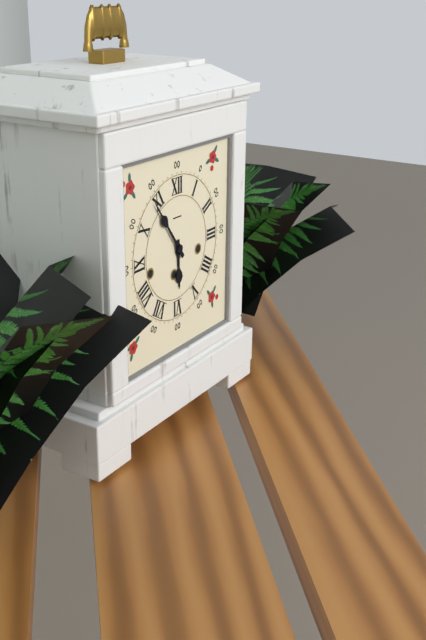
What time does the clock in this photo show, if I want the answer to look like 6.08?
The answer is 5.54
